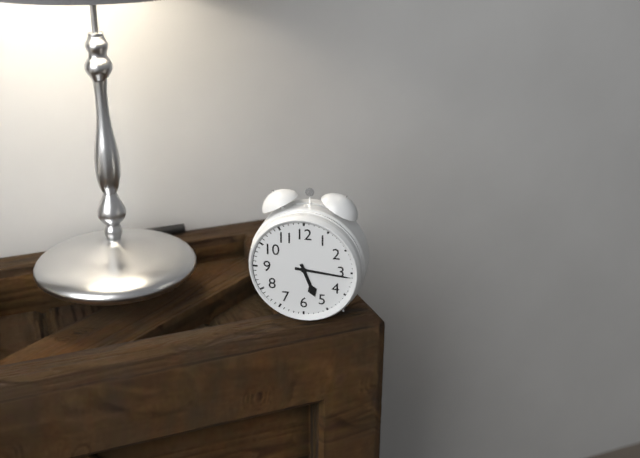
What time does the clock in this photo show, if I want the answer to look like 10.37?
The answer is 5.16
